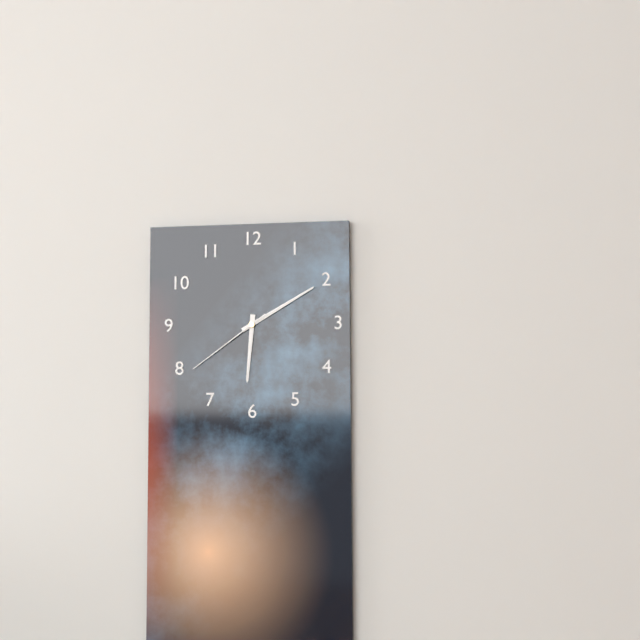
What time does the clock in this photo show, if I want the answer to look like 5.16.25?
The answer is 6.10.39
